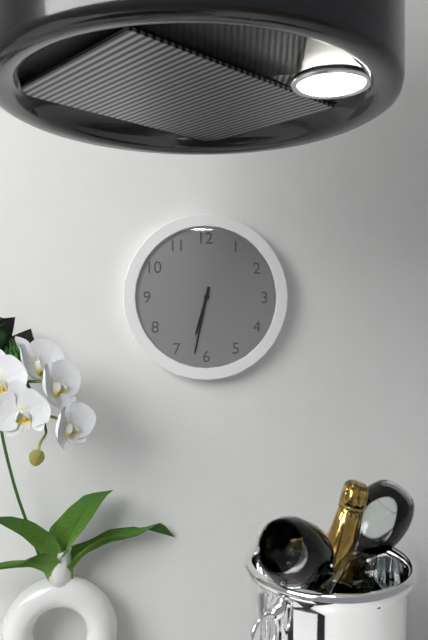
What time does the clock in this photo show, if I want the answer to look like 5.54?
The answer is 6.32
